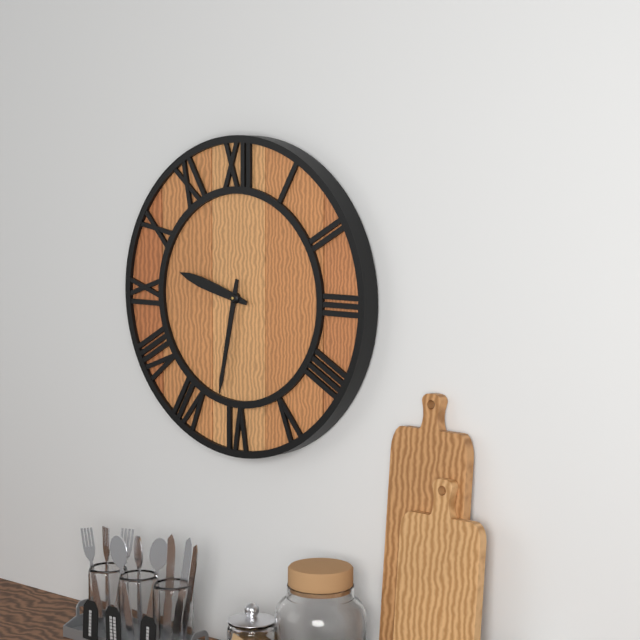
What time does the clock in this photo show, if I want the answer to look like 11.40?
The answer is 9.32
